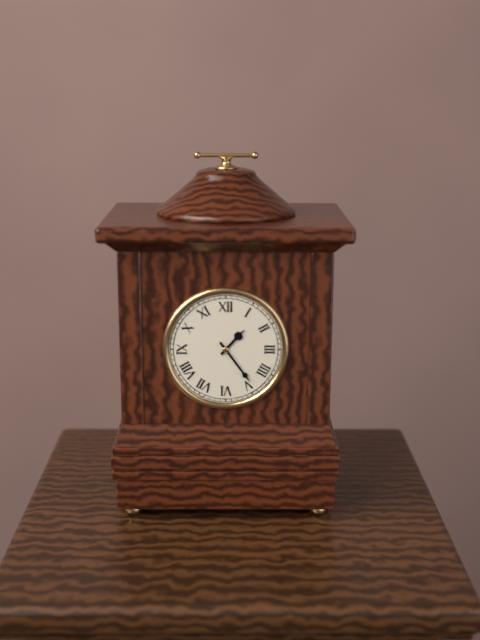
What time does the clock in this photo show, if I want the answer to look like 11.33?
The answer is 1.24
